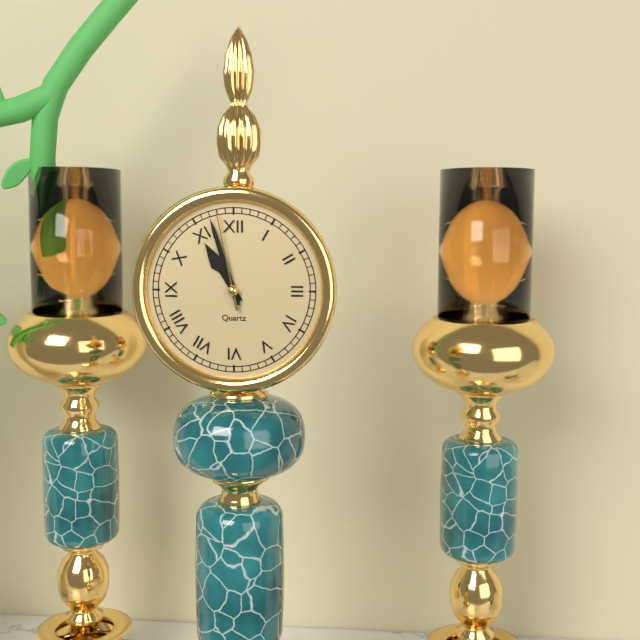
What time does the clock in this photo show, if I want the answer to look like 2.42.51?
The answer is 10.57.58
